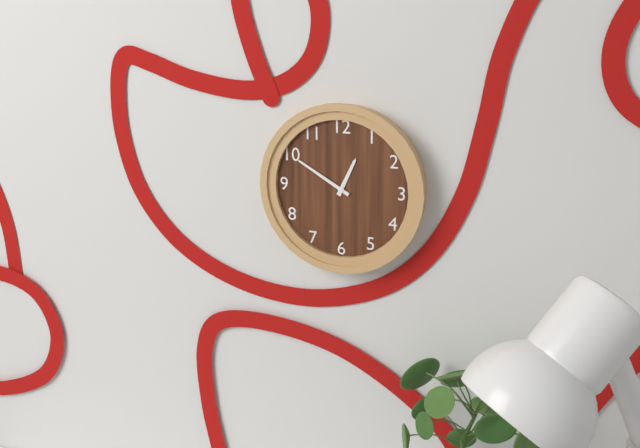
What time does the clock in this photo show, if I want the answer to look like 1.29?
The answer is 12.50
